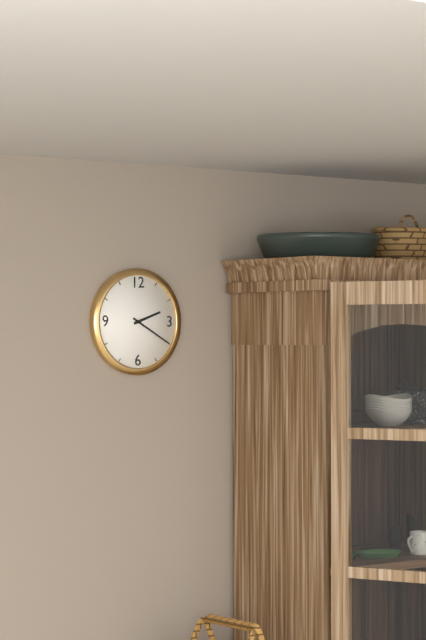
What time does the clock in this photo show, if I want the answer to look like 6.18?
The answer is 2.20
